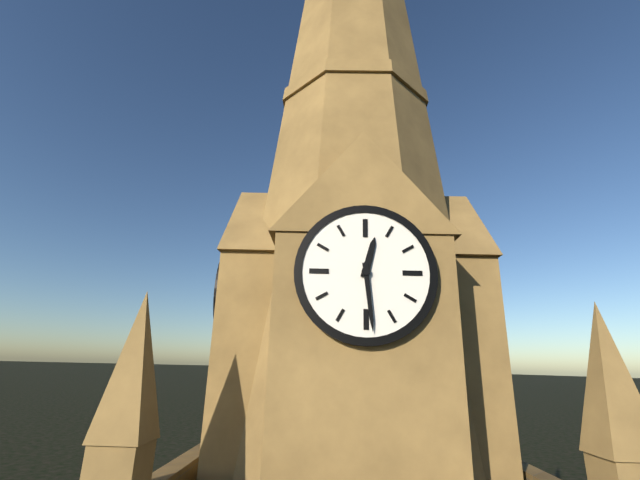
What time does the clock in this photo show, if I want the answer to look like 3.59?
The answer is 12.29
